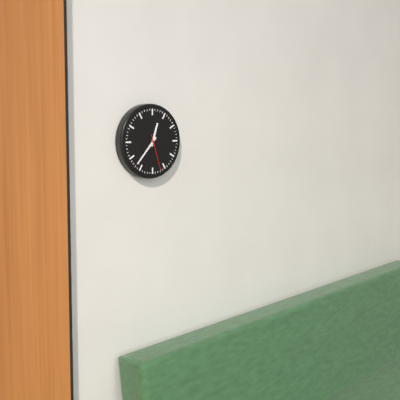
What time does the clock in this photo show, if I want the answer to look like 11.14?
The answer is 12.37
